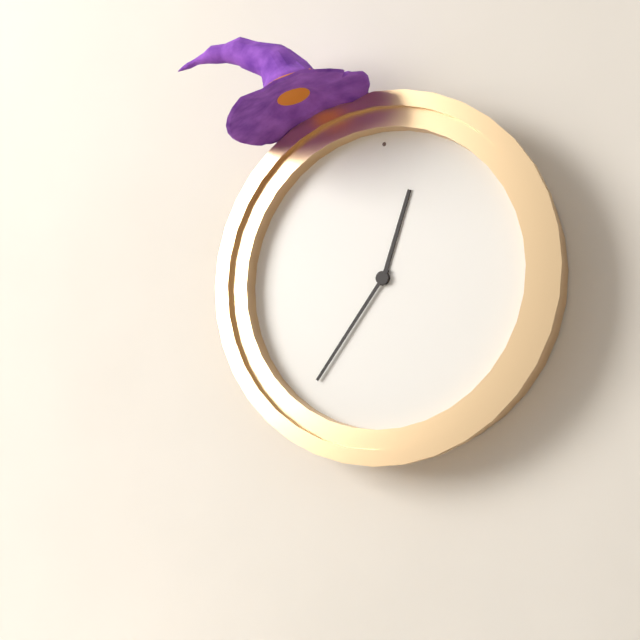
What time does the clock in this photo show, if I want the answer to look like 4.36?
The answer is 12.36
